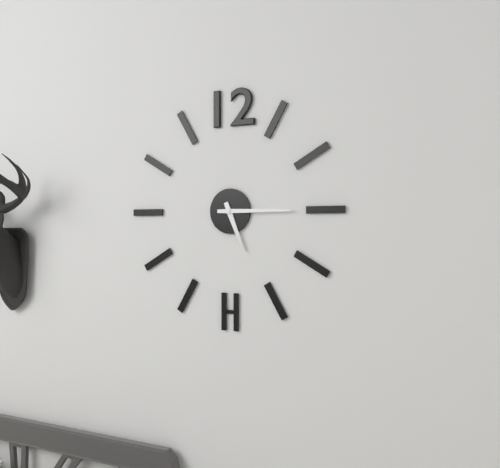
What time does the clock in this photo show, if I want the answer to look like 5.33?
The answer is 5.15
